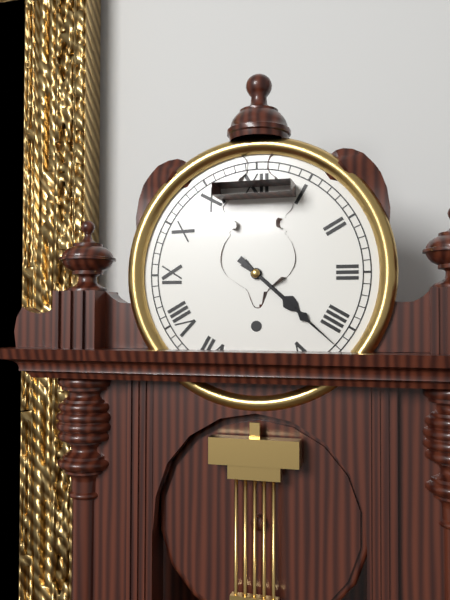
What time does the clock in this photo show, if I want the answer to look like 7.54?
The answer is 4.22
